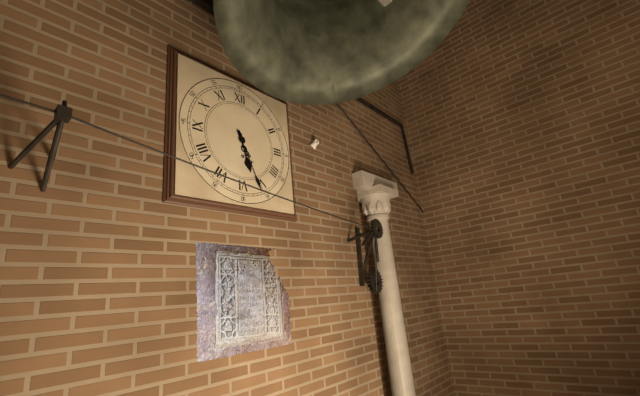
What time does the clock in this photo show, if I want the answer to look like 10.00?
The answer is 5.26
